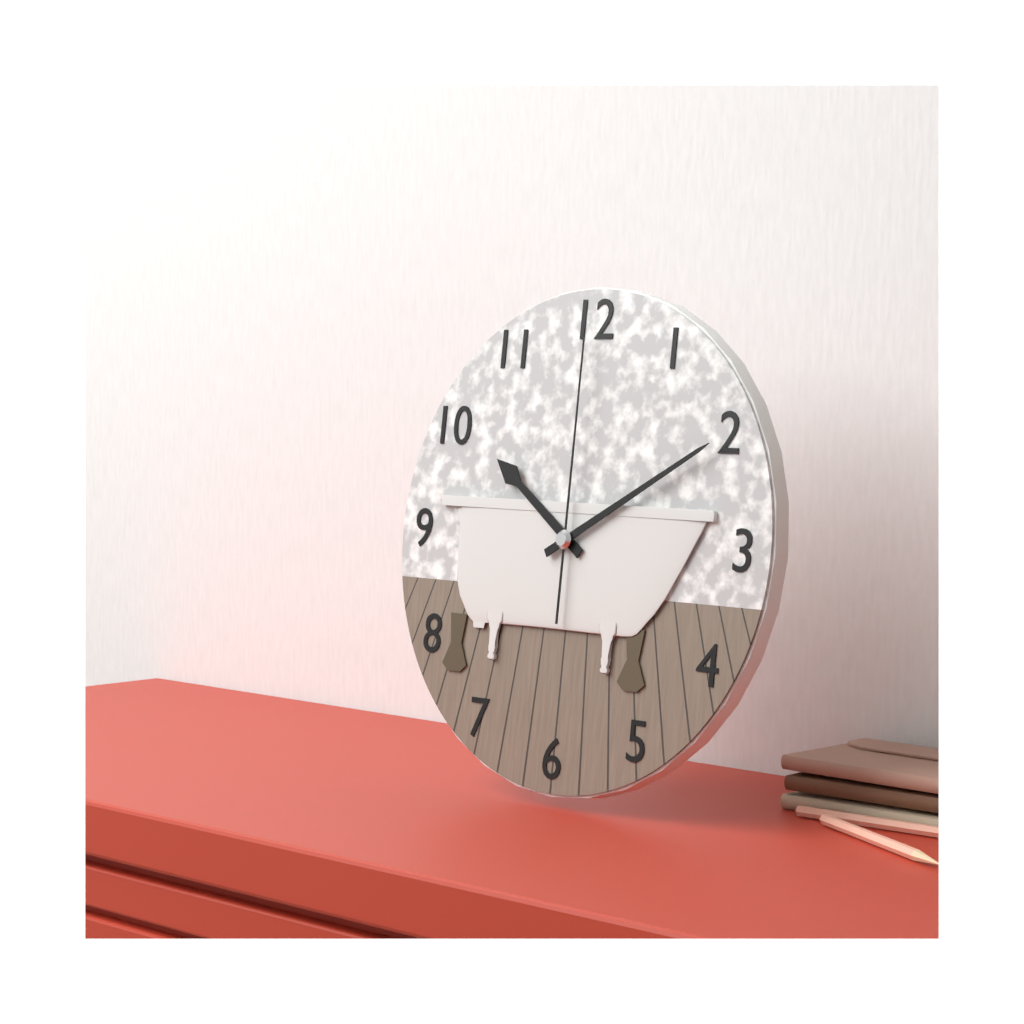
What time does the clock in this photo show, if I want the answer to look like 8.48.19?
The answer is 10.10.00
